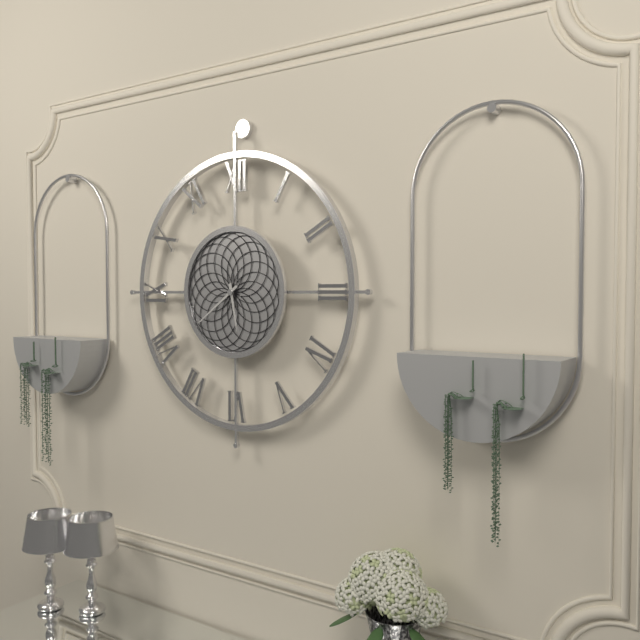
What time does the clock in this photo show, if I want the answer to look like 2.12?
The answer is 5.39
